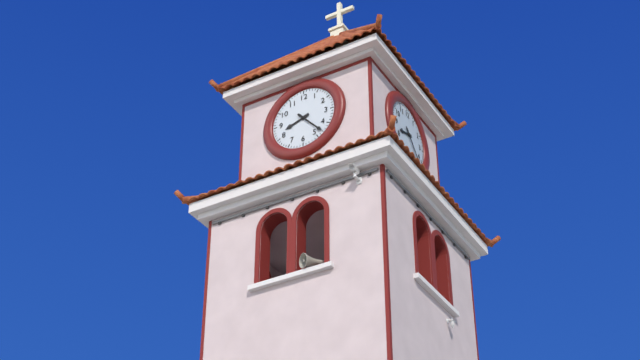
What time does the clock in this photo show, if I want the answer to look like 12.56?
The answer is 8.23
